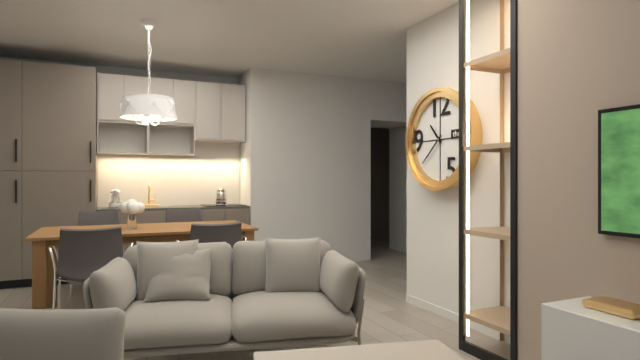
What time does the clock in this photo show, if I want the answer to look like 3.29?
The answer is 10.38
